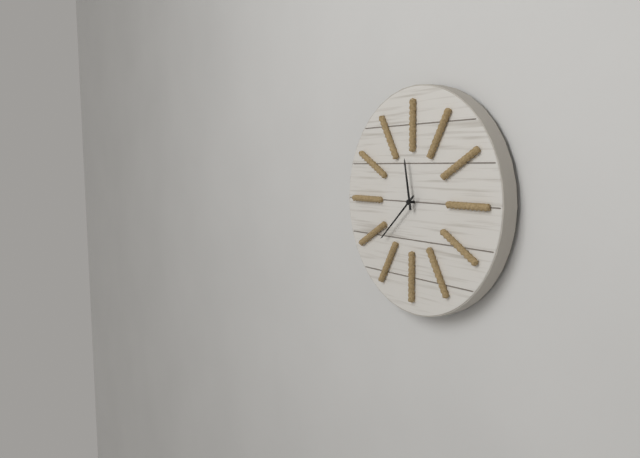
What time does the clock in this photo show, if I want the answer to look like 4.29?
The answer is 11.38
